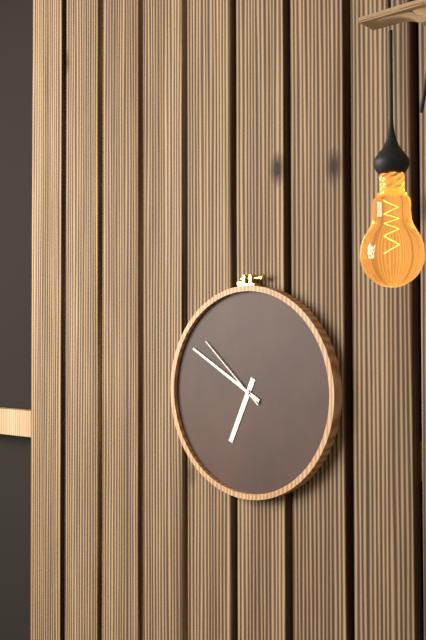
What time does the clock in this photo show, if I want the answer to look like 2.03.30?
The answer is 6.50.52
